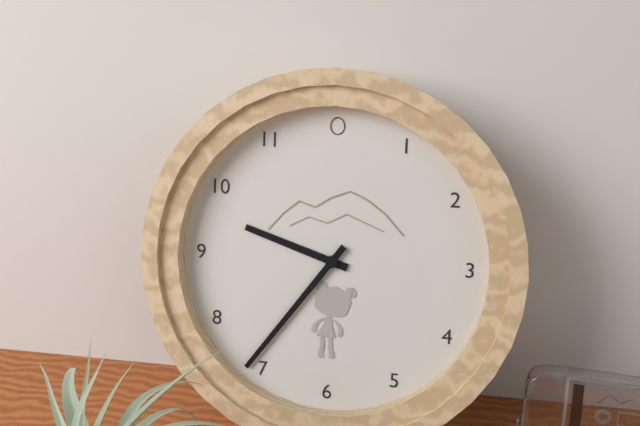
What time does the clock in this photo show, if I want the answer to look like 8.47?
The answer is 9.36
